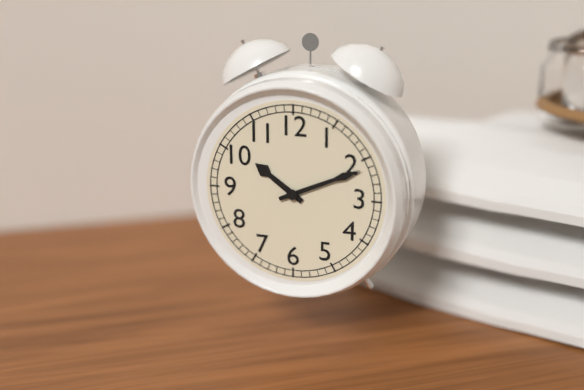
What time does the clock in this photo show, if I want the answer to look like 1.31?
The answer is 10.11
